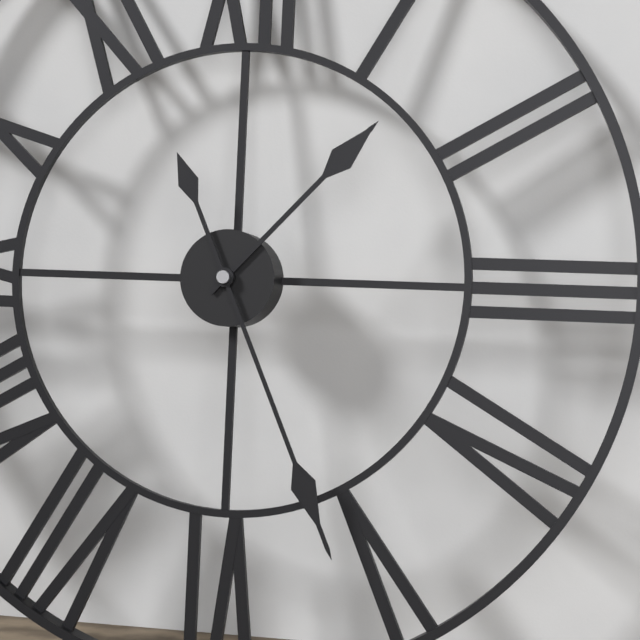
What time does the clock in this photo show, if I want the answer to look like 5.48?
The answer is 1.26
